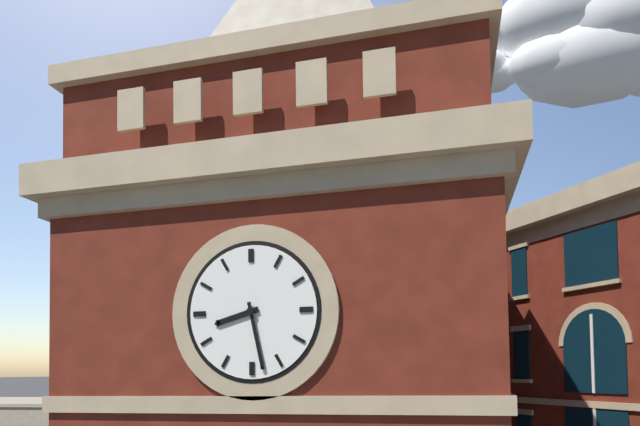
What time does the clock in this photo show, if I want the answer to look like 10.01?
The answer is 8.28
